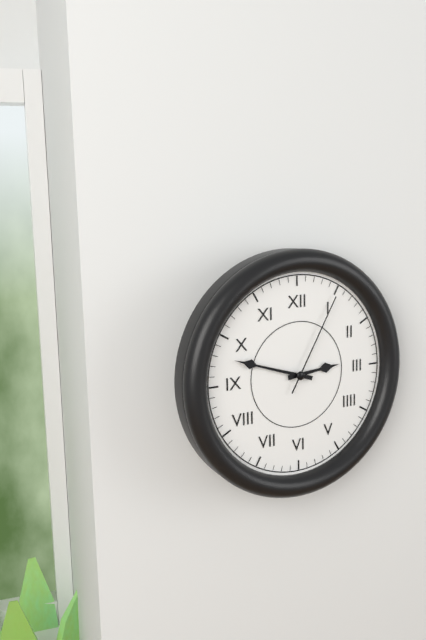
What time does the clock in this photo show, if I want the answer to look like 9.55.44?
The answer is 2.48.05
